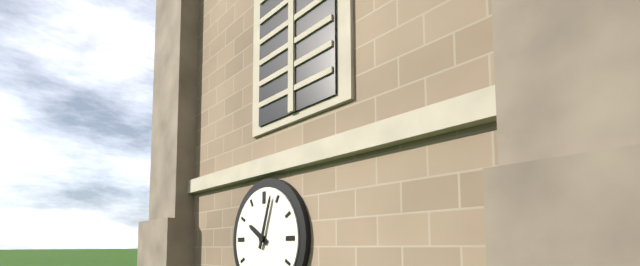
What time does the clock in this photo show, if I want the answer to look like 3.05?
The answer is 10.03
